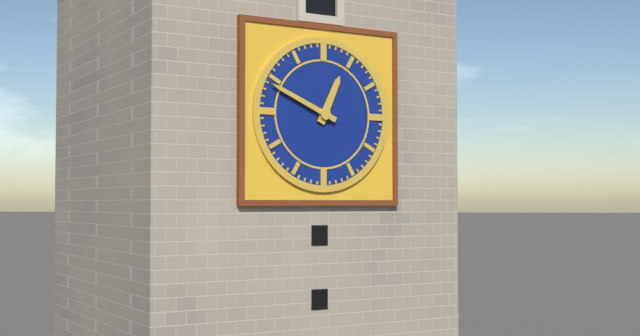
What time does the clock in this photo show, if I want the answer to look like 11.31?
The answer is 12.49
